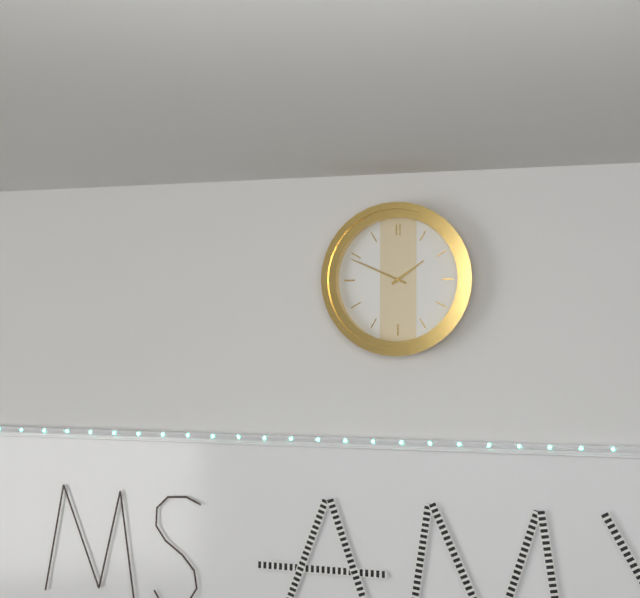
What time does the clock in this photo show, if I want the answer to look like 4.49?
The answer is 1.49
